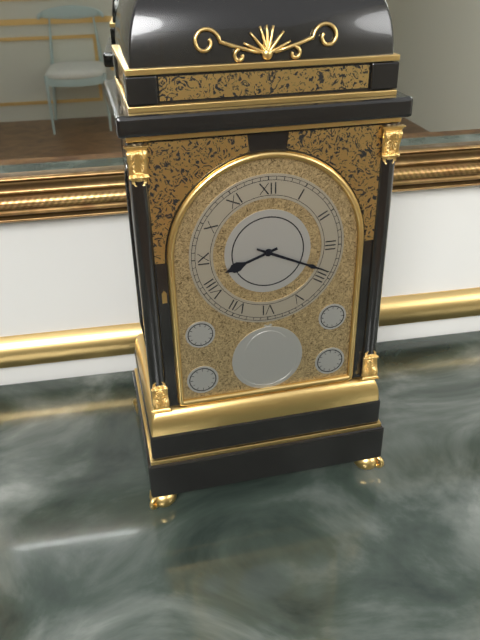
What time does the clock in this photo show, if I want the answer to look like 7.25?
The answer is 8.19
